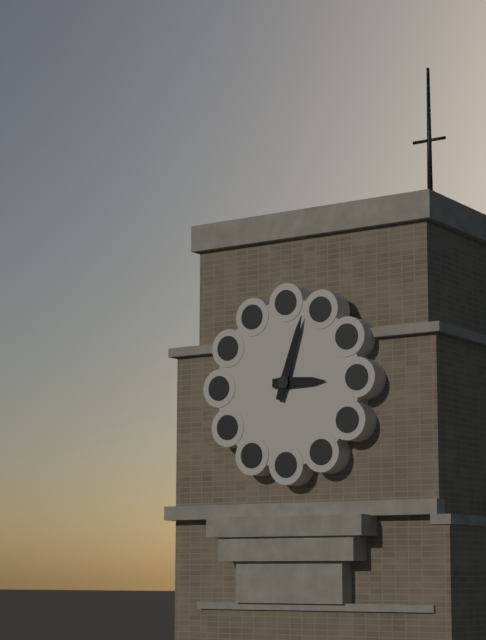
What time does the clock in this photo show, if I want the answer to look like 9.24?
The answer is 3.03
